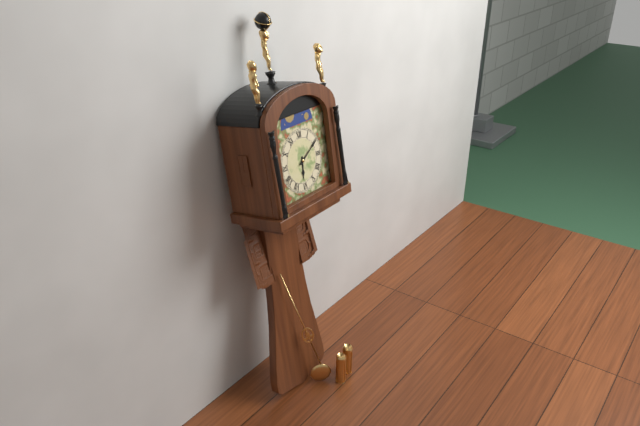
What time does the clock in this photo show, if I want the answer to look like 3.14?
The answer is 6.10
